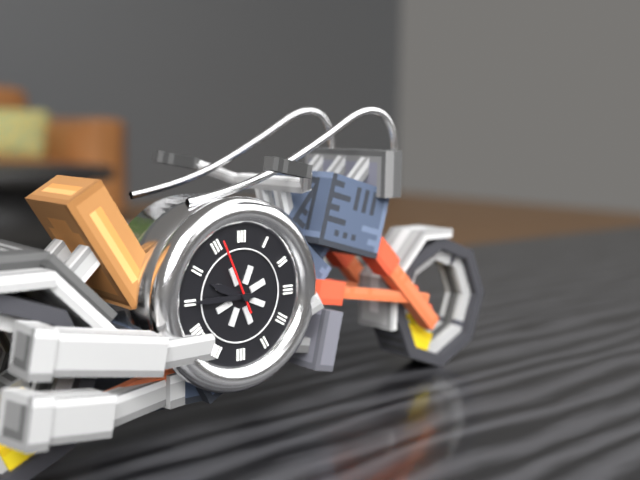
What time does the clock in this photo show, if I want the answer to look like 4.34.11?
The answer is 9.45.56
